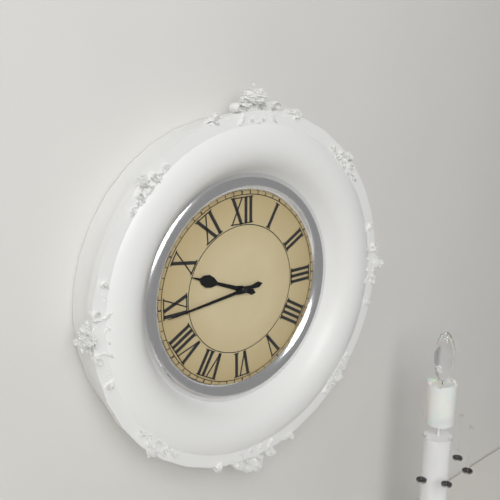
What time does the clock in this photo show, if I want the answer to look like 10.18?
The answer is 9.44
